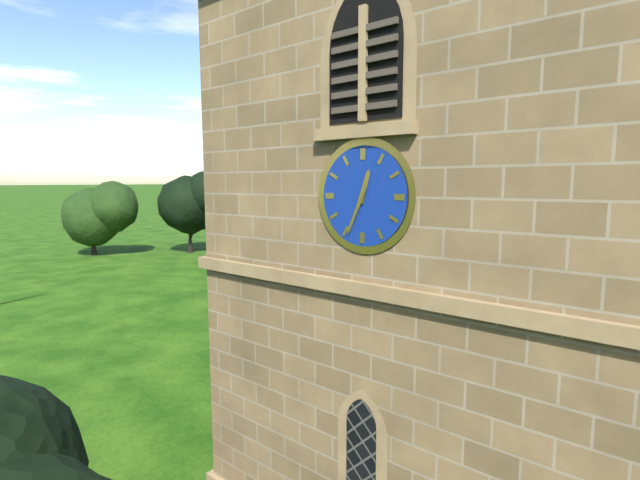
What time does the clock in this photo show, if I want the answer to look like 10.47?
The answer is 12.34
